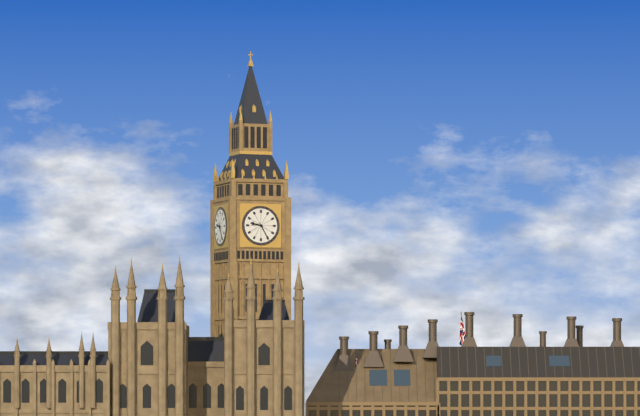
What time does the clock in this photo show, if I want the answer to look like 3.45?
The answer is 9.25
